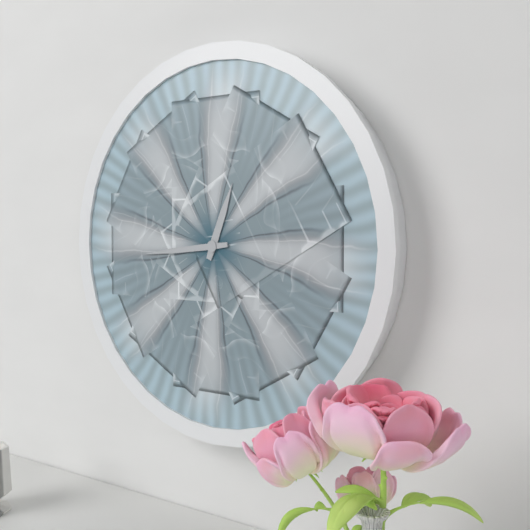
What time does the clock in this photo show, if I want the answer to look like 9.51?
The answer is 12.44
